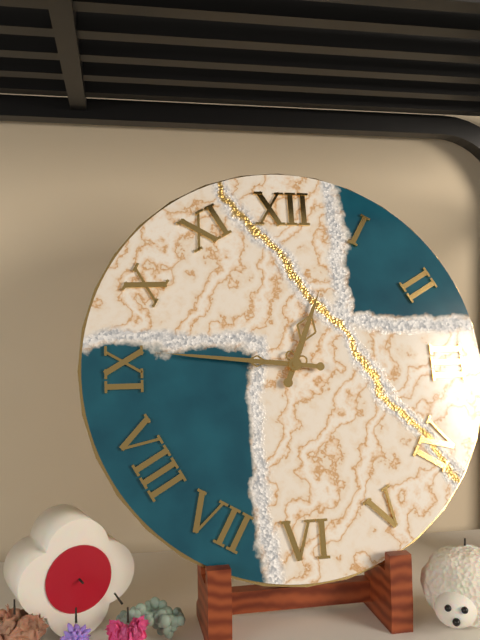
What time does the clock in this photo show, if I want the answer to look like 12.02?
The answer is 12.46
